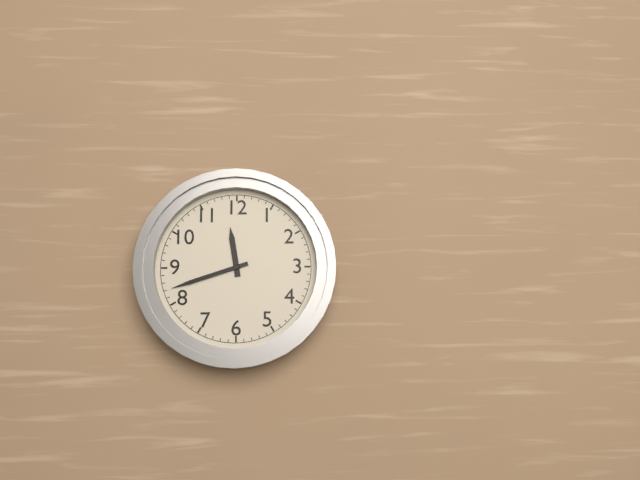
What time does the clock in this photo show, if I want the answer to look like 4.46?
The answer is 11.42
